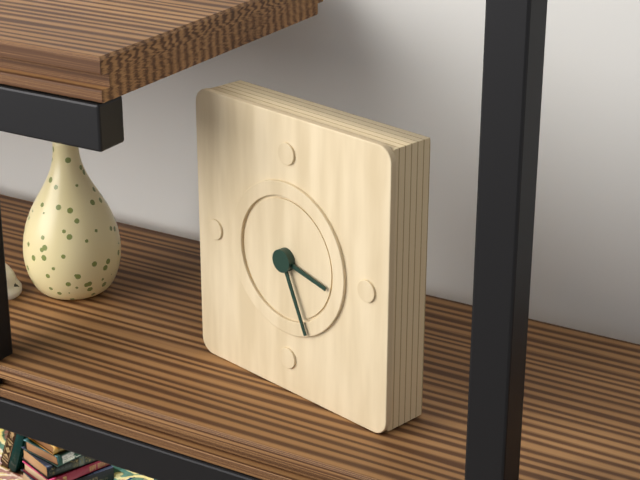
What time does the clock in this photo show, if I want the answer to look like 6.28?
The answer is 3.26
